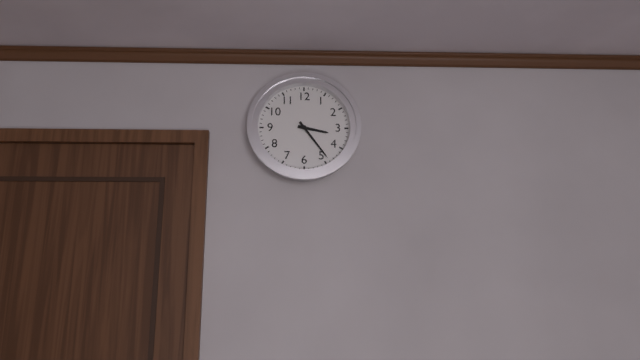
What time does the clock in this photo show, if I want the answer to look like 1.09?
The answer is 3.24
